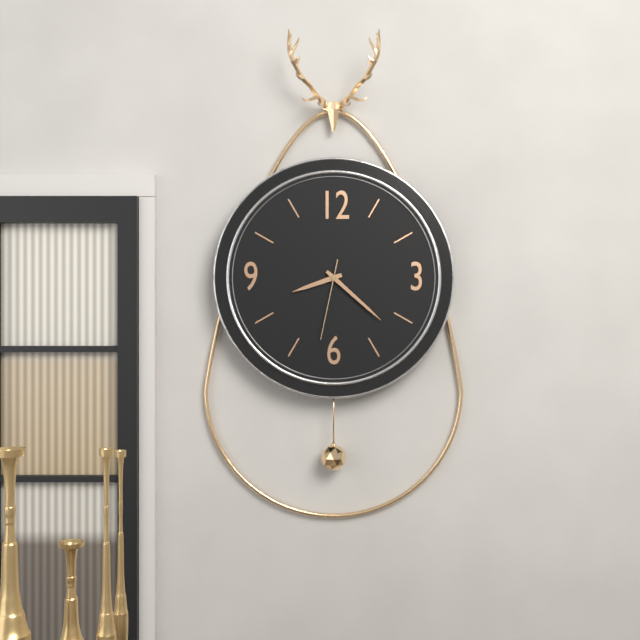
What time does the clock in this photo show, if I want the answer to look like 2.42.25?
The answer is 8.22.32
